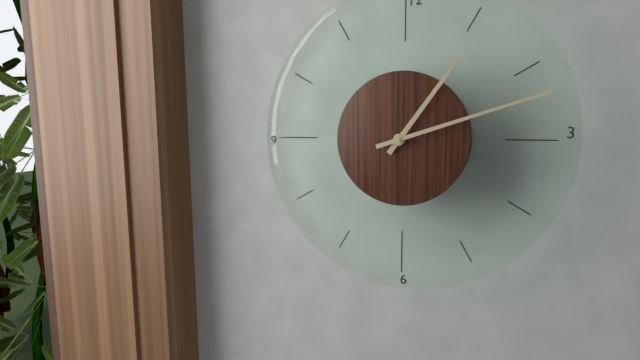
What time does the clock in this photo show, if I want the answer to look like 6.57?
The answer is 1.12
